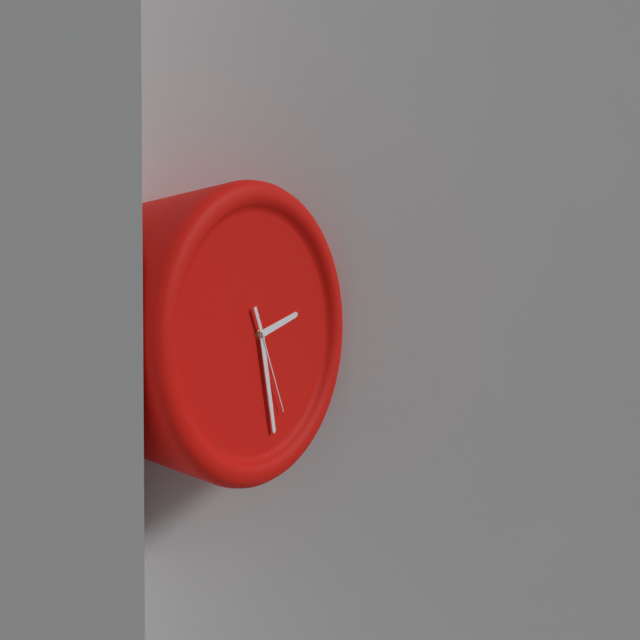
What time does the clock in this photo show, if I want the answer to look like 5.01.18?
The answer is 2.28.26
